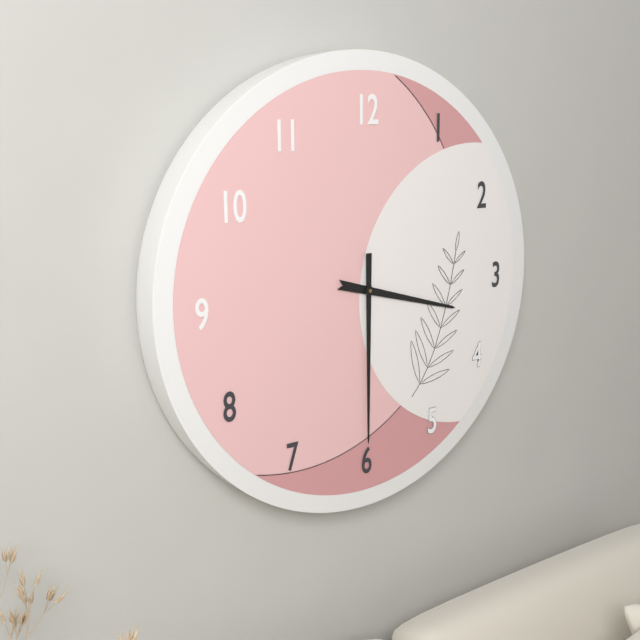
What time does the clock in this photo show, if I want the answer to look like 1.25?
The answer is 3.30
